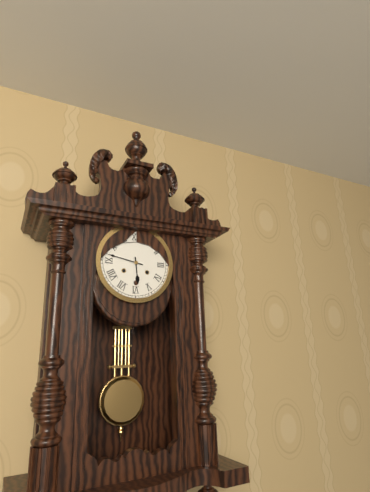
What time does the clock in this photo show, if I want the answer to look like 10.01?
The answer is 5.47
